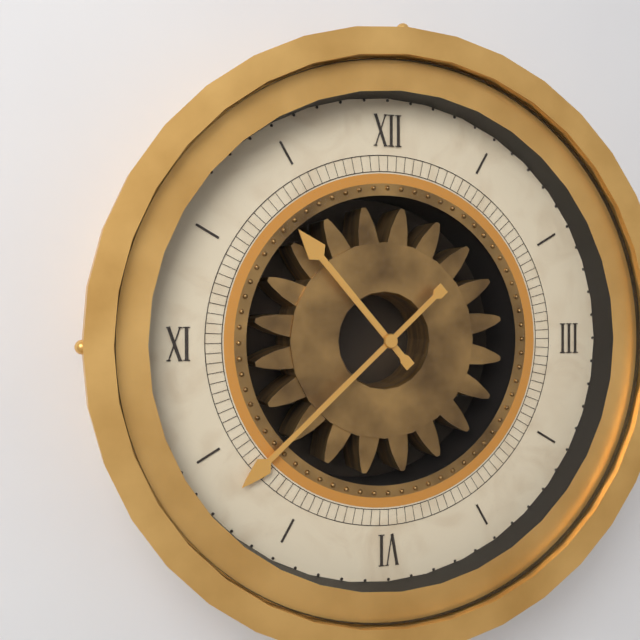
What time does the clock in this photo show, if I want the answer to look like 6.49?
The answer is 10.38
